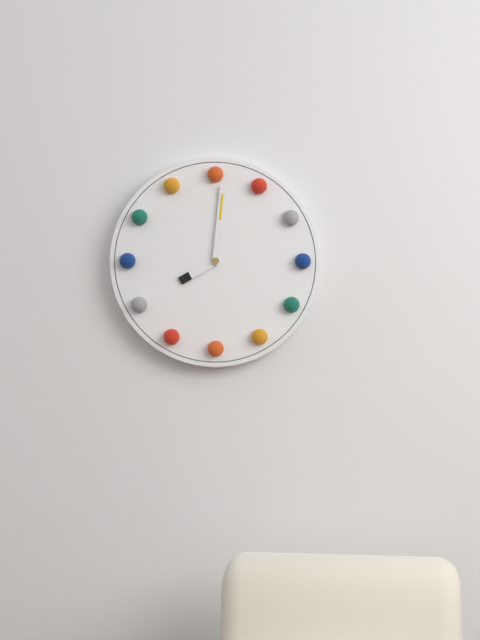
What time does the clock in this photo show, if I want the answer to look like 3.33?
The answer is 8.01
